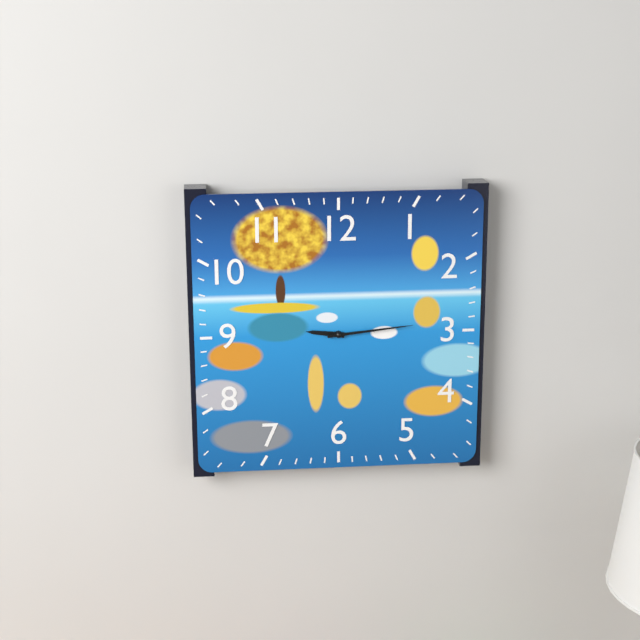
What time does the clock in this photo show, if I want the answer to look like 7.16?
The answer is 9.14
